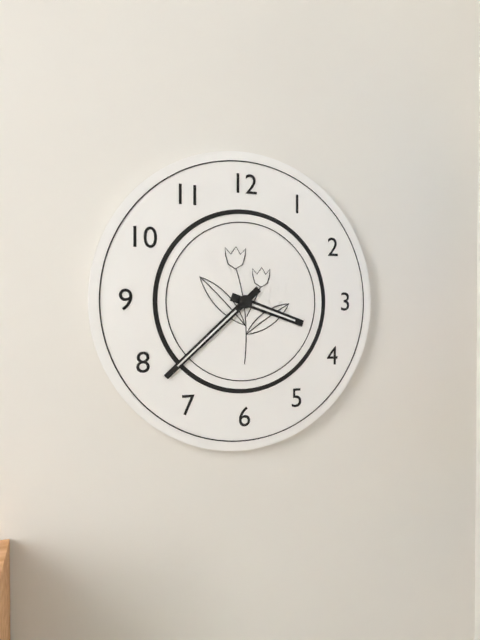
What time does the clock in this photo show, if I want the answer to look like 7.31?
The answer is 3.38
